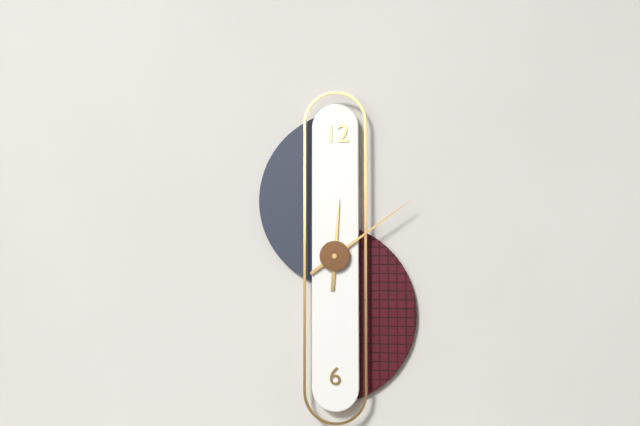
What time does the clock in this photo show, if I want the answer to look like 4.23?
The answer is 12.09
